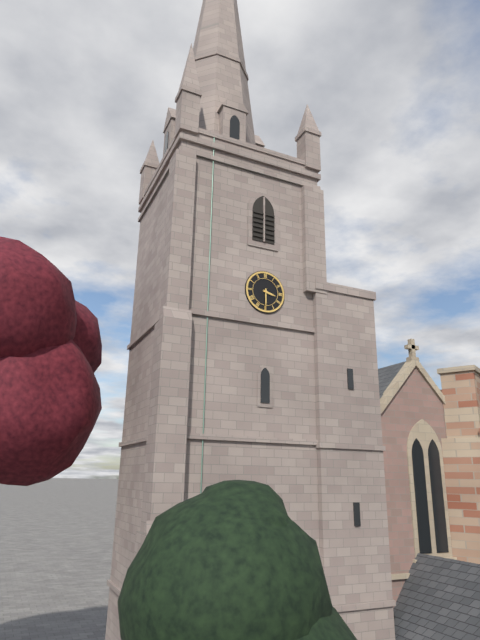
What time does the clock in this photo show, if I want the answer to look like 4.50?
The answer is 3.30
